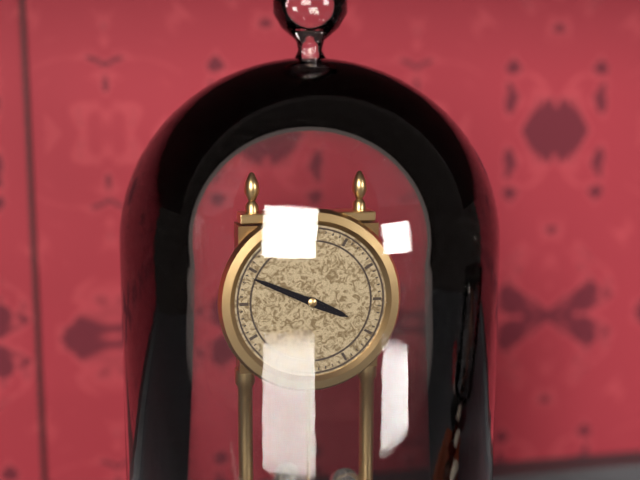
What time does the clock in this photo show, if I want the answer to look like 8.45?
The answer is 3.49
